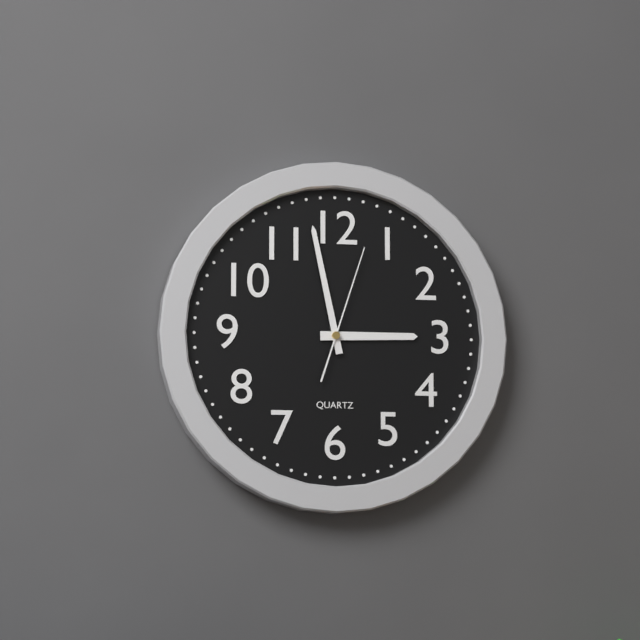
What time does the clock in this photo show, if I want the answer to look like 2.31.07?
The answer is 2.58.03
